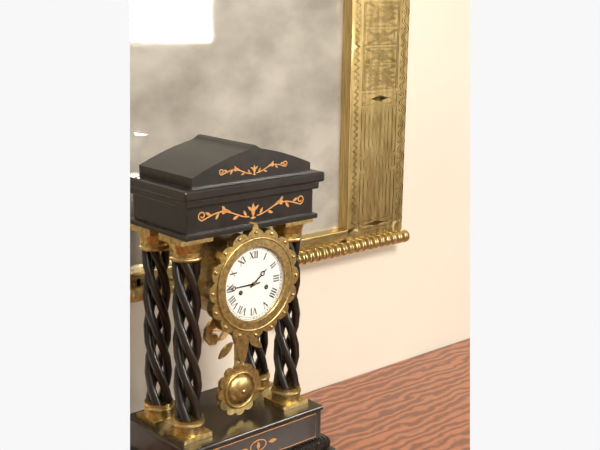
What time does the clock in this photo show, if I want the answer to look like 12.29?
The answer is 1.45
